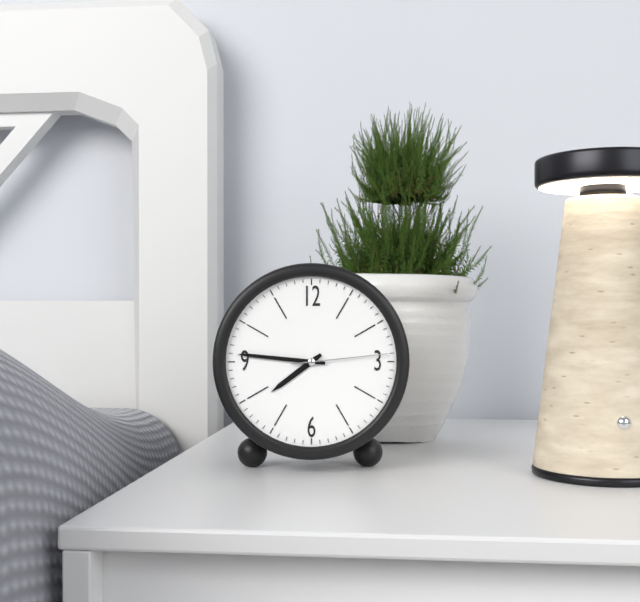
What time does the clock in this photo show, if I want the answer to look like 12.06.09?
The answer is 7.46.14
